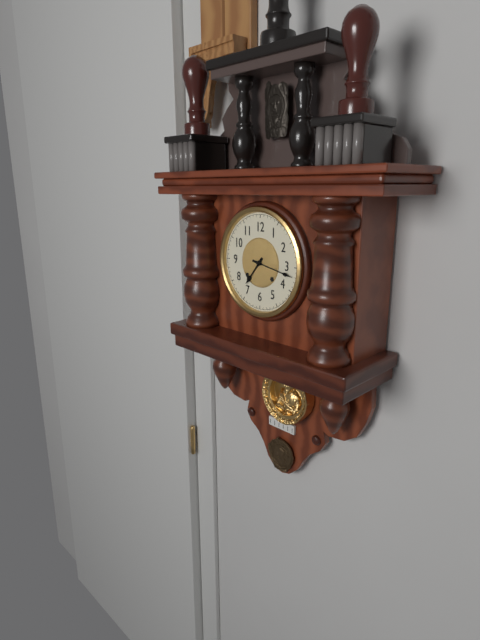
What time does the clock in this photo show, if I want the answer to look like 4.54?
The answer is 7.17
